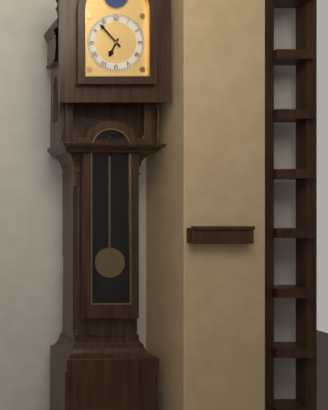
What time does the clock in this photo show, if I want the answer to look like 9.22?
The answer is 6.53
